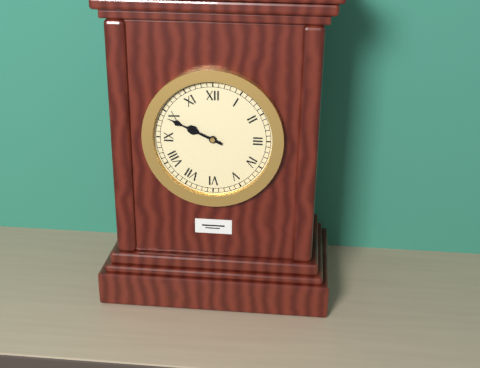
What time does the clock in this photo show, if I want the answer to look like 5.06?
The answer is 9.49
